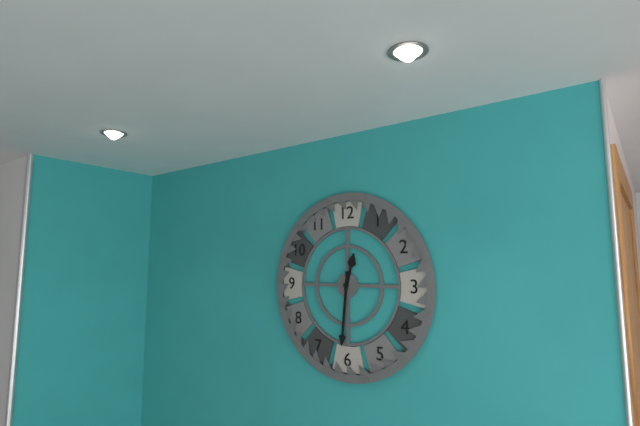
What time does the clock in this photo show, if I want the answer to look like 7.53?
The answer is 12.31
